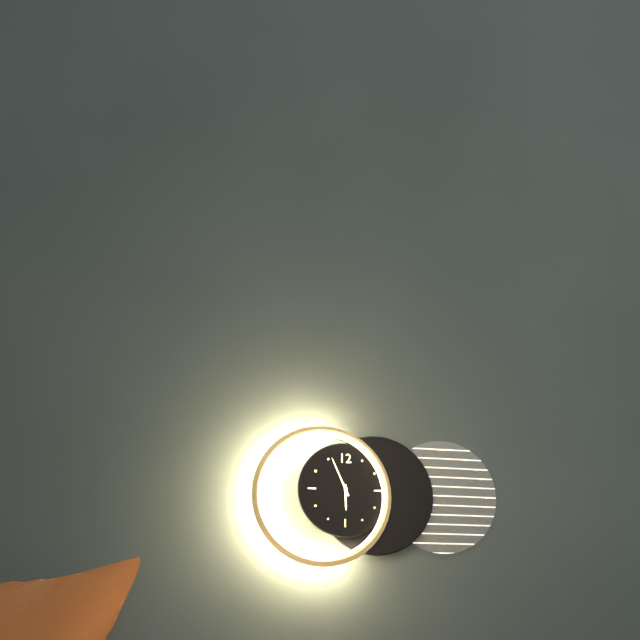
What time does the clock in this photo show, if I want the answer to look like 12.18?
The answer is 5.56
